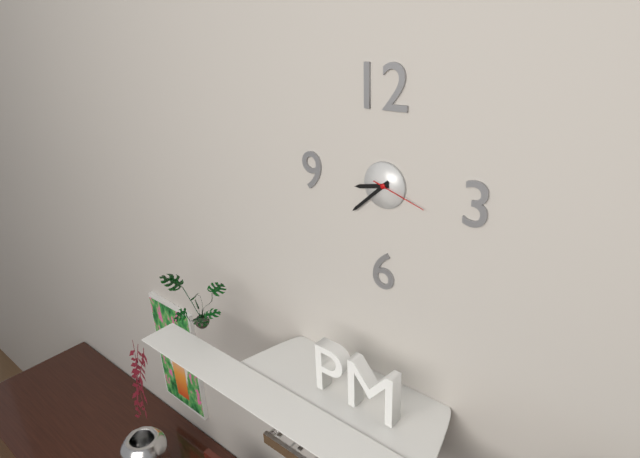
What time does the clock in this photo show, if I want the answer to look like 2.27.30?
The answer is 8.38.18
